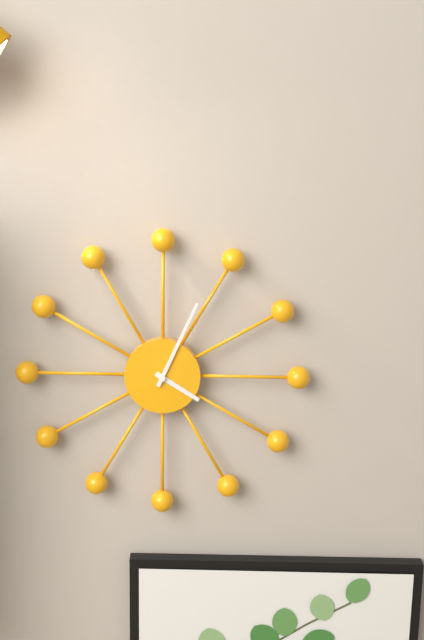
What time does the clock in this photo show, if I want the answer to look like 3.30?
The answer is 4.04
